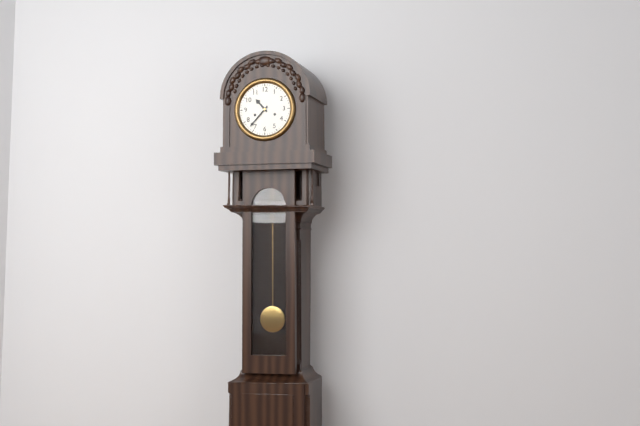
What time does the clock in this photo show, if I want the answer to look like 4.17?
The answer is 10.37
